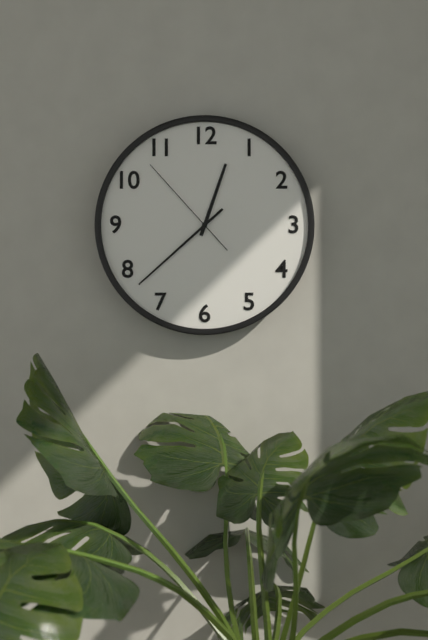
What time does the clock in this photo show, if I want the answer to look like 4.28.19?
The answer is 12.38.53
